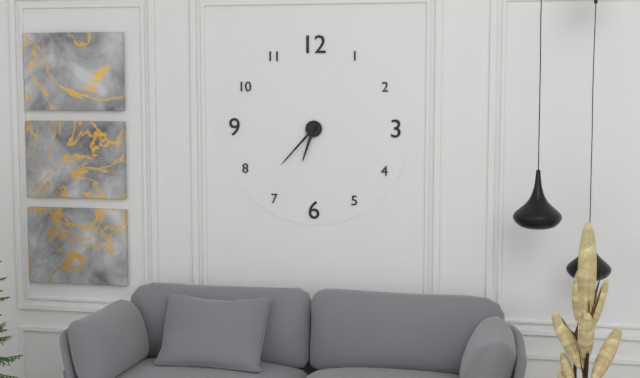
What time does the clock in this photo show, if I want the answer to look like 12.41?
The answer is 6.37
